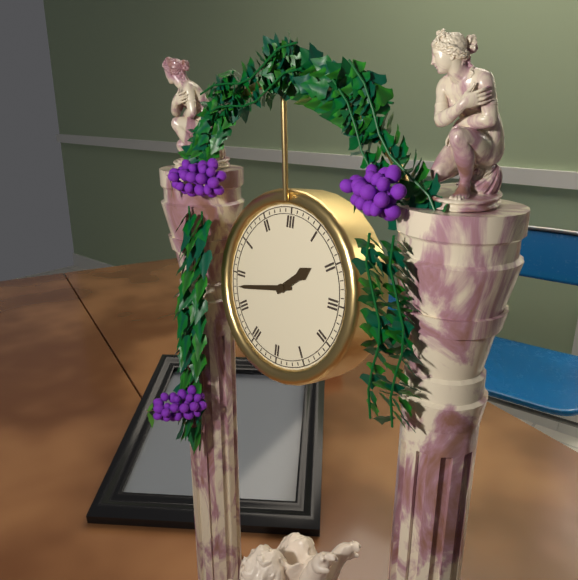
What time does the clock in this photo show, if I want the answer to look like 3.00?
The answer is 1.43
